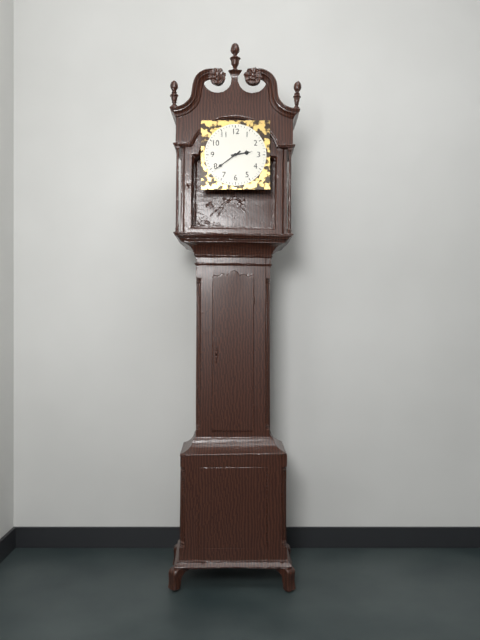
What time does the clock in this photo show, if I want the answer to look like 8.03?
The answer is 2.39
